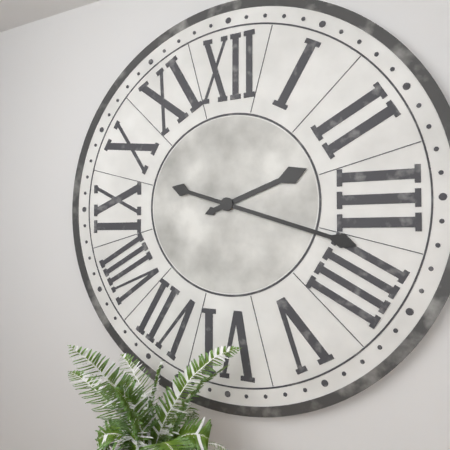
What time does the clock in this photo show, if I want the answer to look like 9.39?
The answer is 2.18
